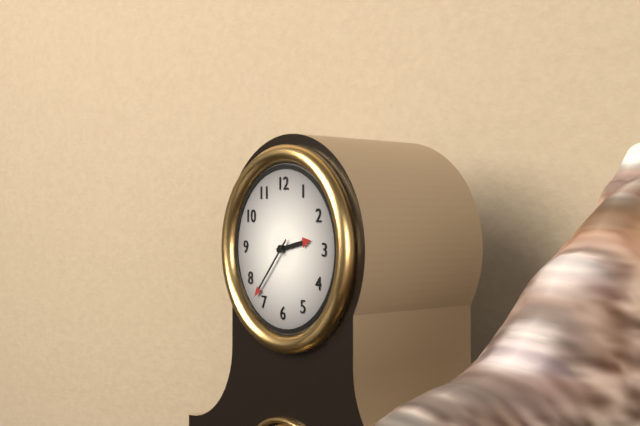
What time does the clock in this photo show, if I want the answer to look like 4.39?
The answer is 2.37
